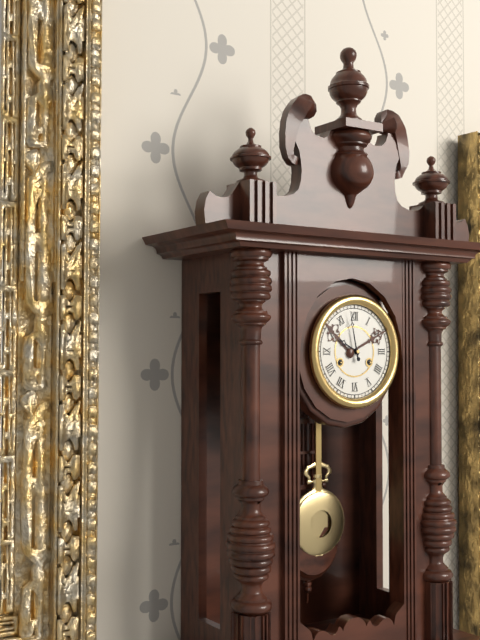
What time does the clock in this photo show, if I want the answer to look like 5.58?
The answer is 9.58
